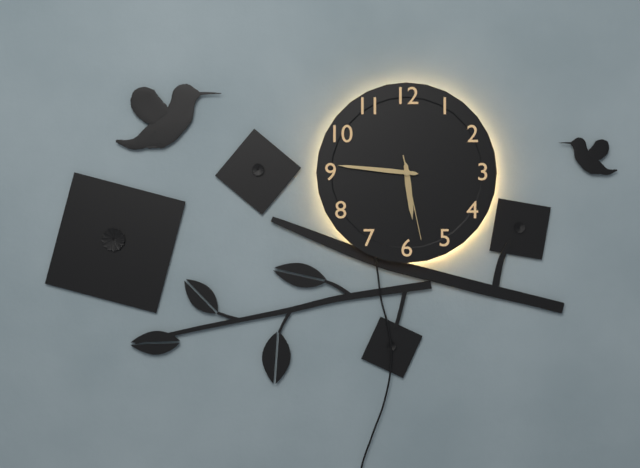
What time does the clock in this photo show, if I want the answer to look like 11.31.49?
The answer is 5.46.28
